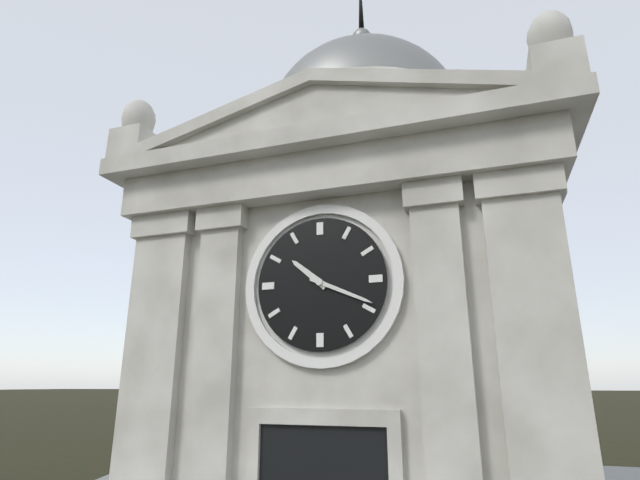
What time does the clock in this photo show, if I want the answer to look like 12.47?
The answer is 10.19
